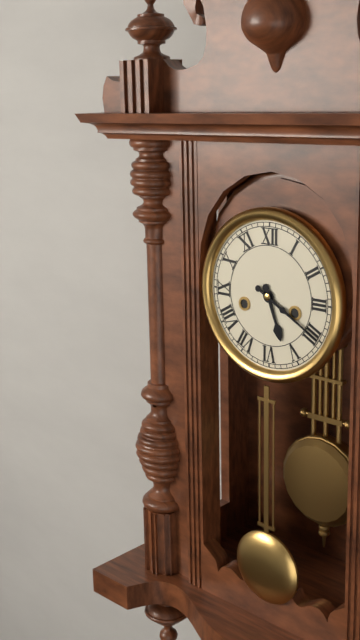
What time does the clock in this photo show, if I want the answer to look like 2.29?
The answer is 5.20
